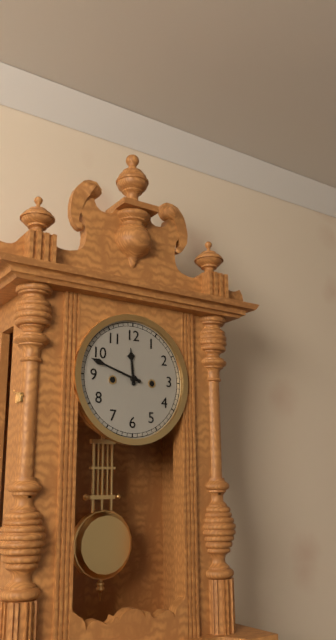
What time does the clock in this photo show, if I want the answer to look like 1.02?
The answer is 11.48
